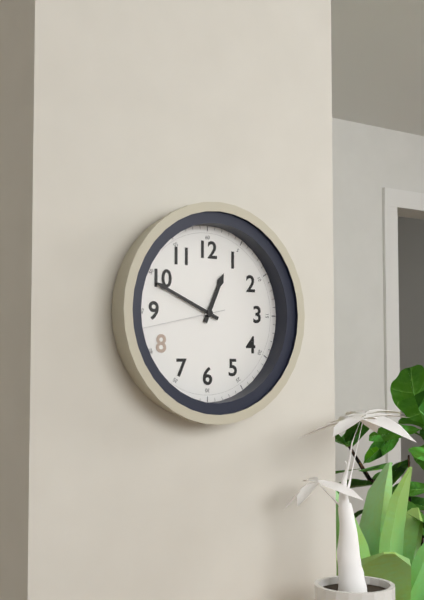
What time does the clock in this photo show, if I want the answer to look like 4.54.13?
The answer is 12.49.43
